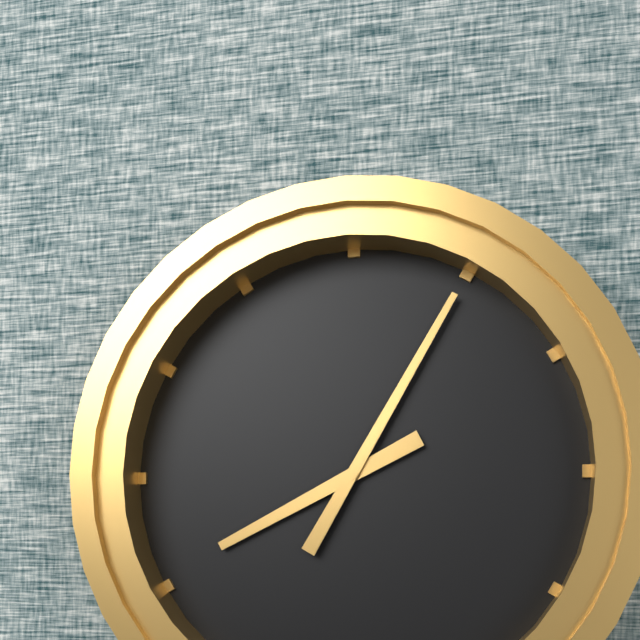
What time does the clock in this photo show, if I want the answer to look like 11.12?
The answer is 8.05
